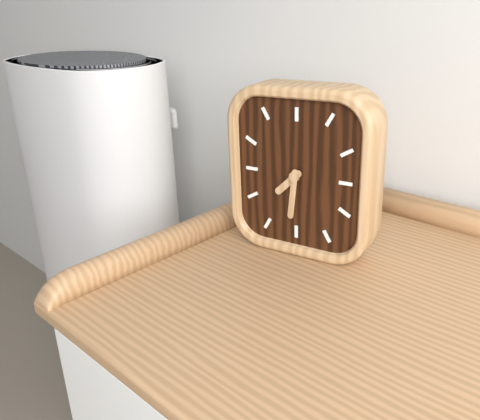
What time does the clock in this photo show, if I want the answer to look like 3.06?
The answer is 7.31
